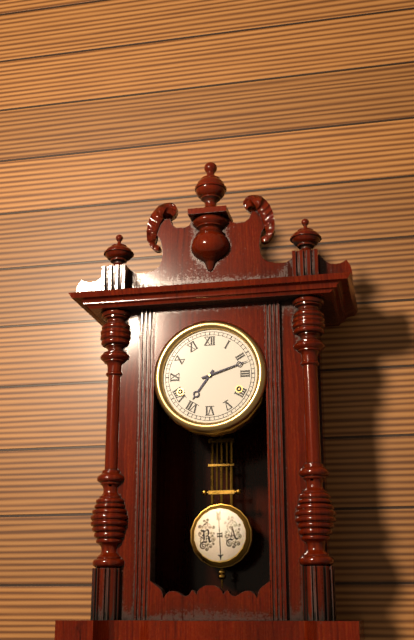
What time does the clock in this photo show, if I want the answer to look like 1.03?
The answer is 7.12
